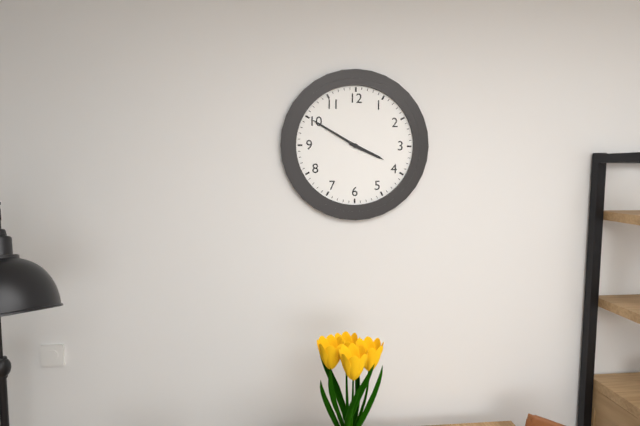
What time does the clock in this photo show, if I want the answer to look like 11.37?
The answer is 3.50
